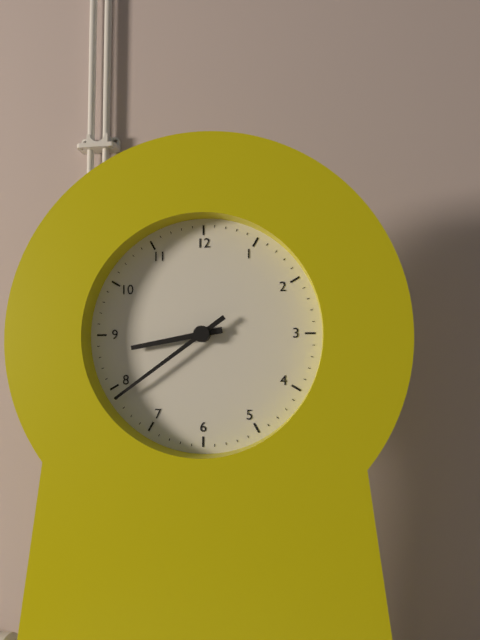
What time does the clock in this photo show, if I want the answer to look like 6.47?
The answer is 8.39
